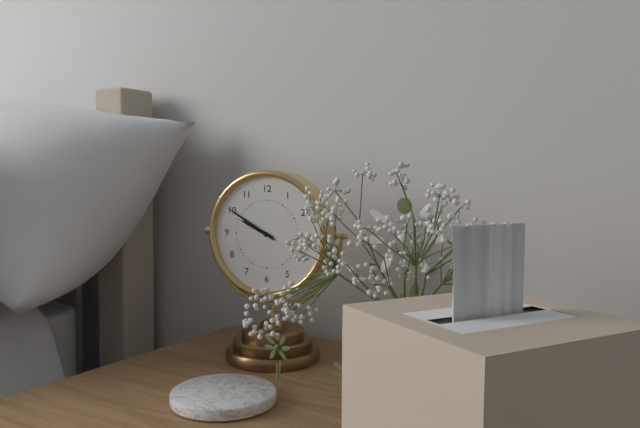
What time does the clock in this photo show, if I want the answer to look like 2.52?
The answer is 9.50
